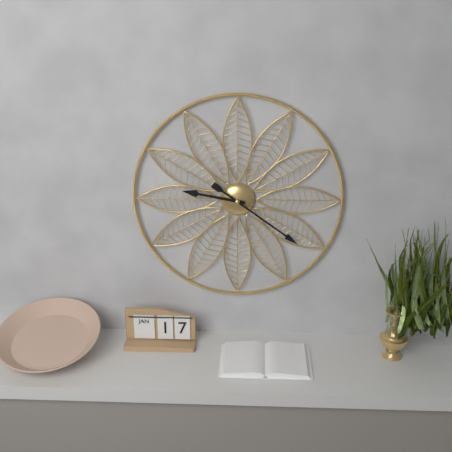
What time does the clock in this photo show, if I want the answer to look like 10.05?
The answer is 9.21
